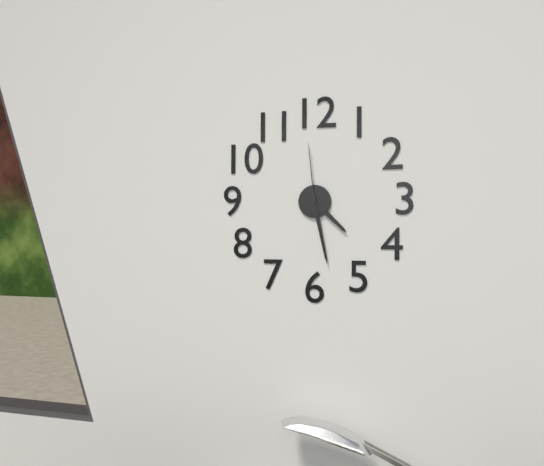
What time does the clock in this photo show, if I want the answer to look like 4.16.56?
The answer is 4.28.59
